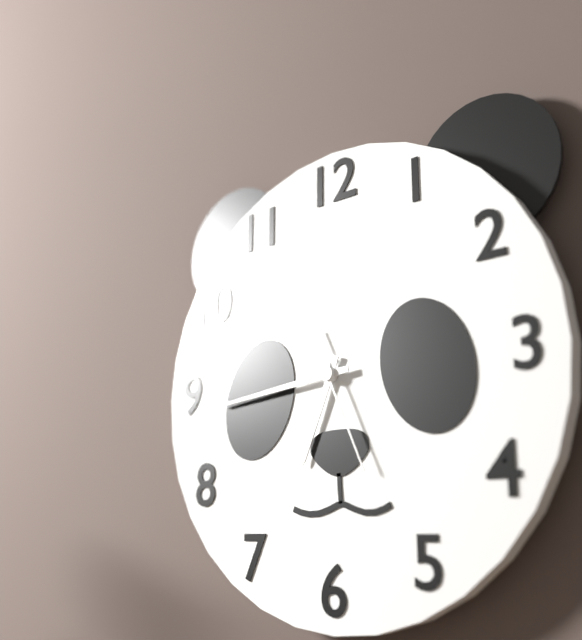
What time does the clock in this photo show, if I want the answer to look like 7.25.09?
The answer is 6.44.26
